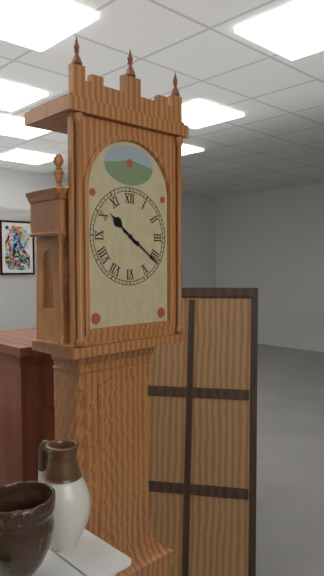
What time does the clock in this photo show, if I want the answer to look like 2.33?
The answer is 10.21
